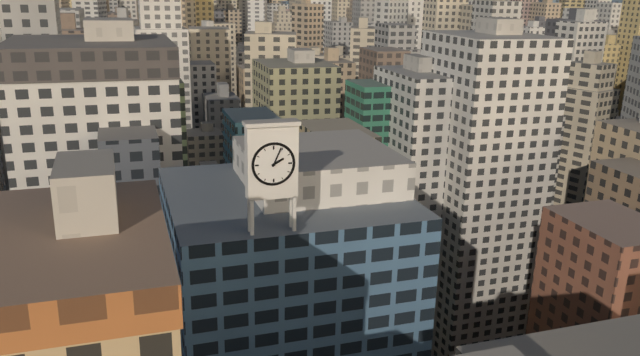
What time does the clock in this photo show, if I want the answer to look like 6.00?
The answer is 2.04
